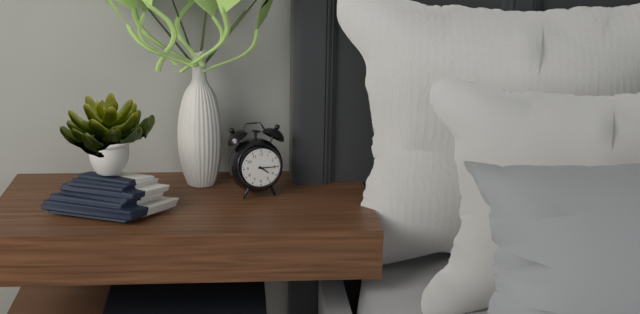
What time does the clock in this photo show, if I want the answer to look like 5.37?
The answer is 4.15
